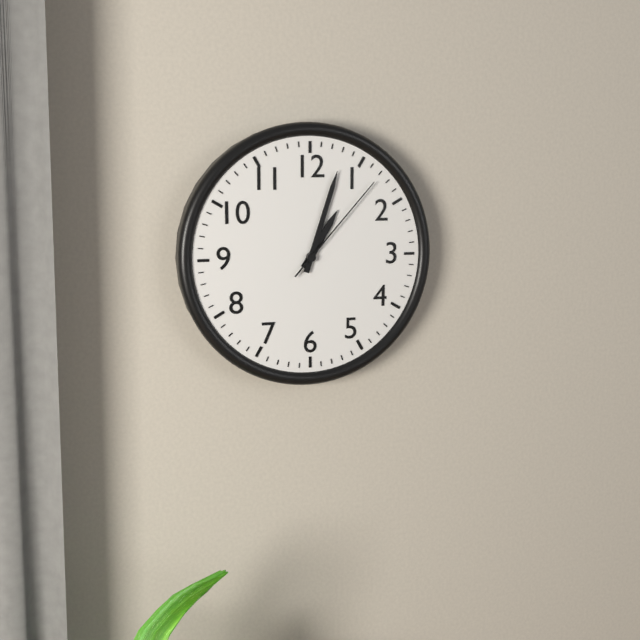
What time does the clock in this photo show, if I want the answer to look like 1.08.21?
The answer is 1.03.07
